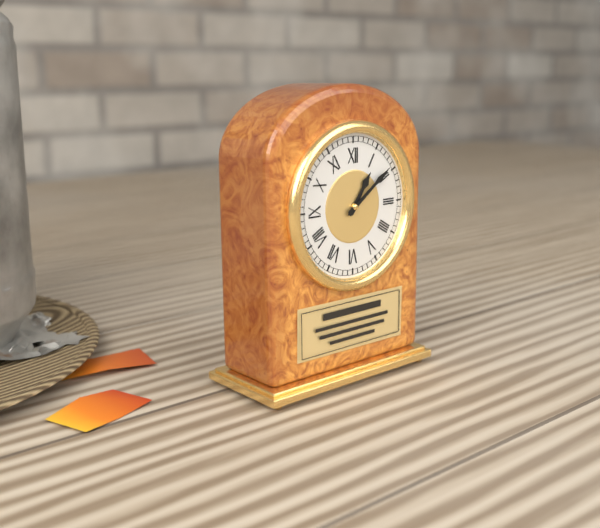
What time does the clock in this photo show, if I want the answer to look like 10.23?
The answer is 1.09
